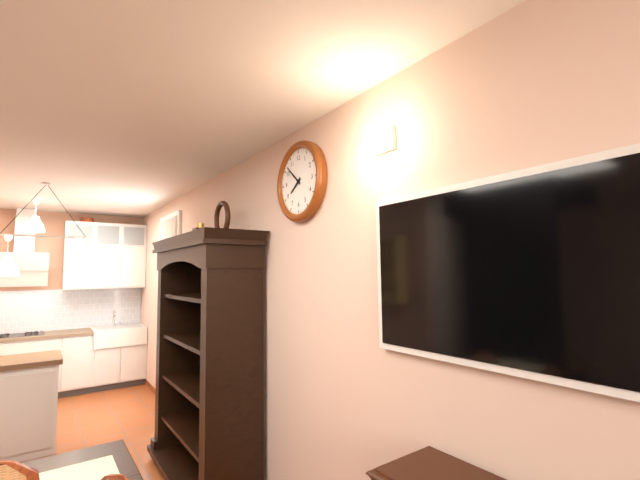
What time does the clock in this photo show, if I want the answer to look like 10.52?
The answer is 7.52
